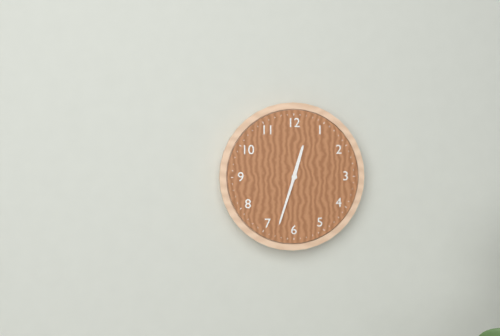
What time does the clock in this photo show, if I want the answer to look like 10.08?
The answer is 12.33
